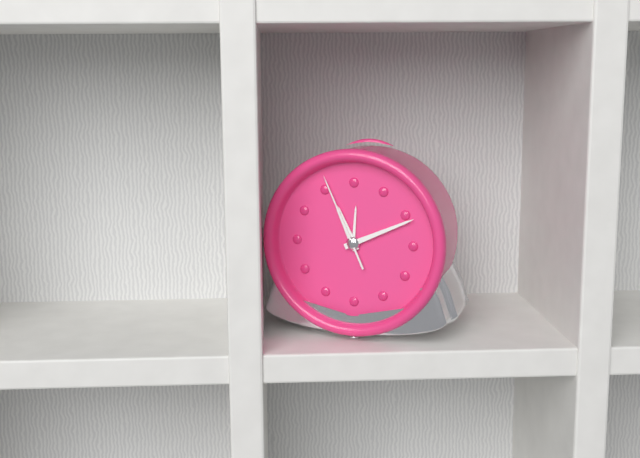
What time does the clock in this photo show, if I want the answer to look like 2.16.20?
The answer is 11.11.56
